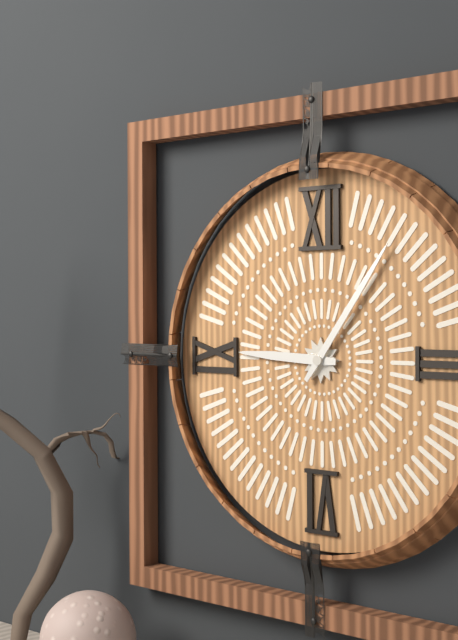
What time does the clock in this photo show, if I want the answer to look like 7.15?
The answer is 9.06
